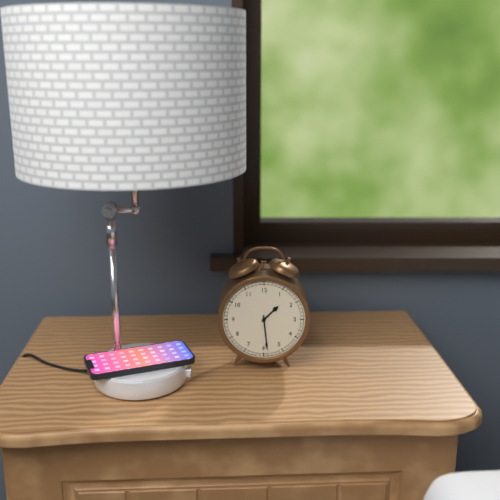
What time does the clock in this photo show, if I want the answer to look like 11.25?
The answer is 1.29
